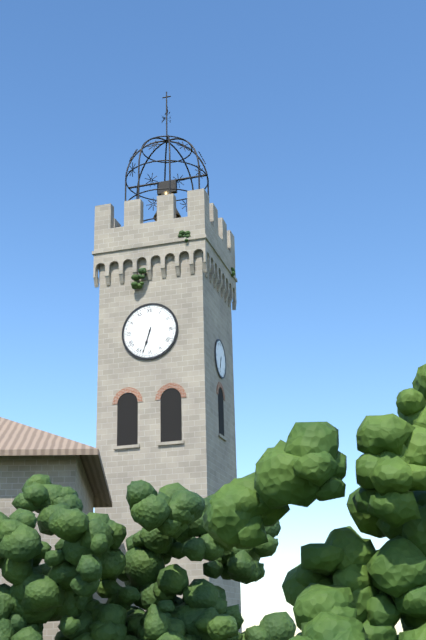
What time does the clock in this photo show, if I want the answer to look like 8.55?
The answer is 6.33
